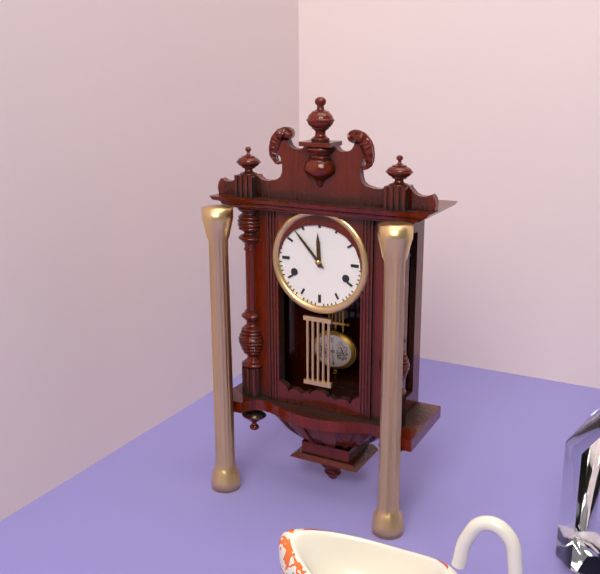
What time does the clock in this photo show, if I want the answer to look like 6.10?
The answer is 11.53
